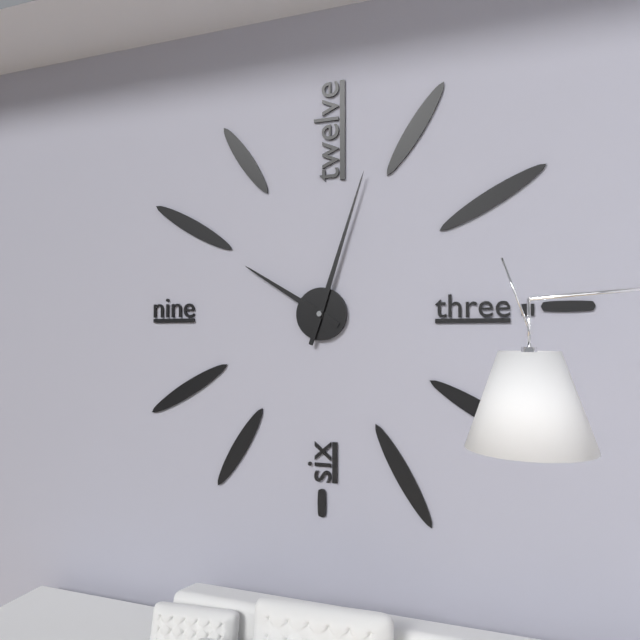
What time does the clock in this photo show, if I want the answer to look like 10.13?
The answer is 10.03
